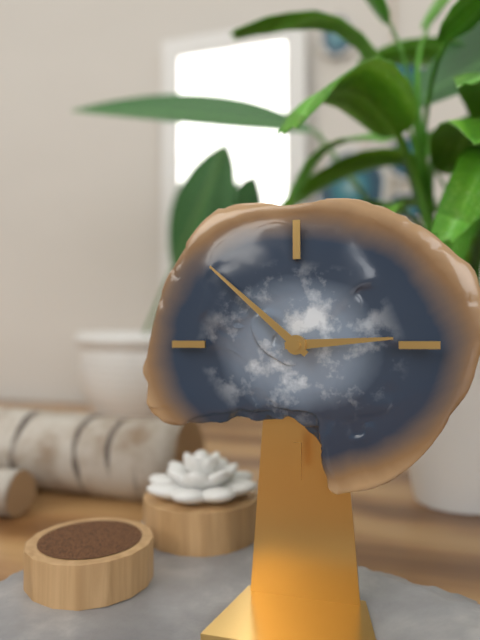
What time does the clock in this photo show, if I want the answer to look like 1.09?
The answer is 2.52
